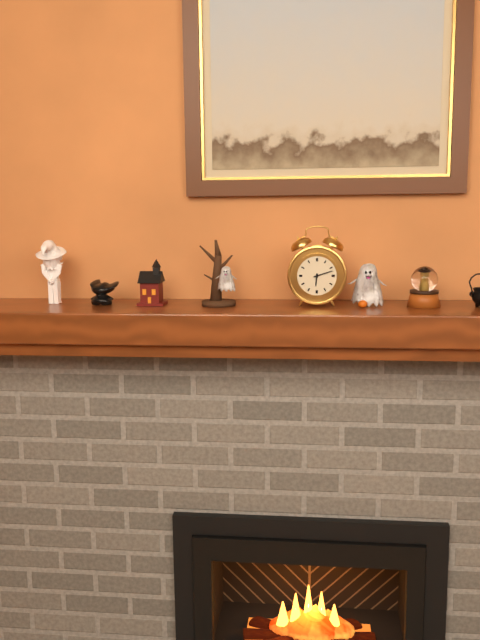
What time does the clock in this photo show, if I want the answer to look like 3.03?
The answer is 6.12
